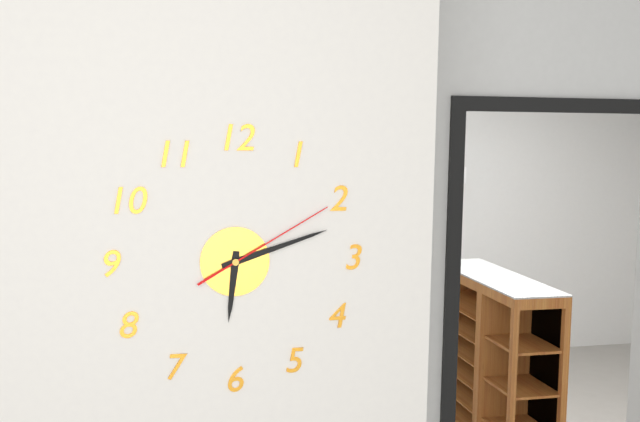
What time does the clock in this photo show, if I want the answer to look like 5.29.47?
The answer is 6.12.10
